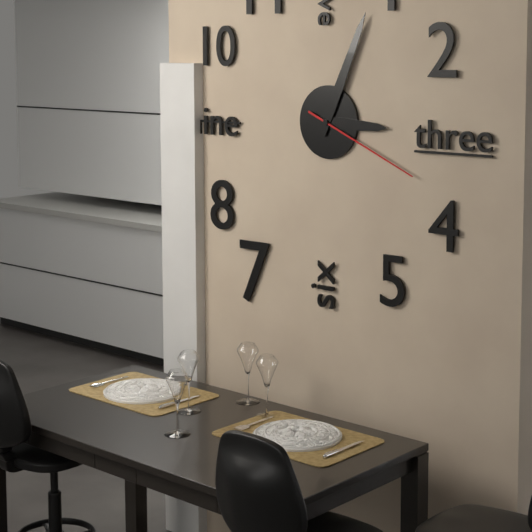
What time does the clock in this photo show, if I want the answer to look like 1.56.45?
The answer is 3.04.19
